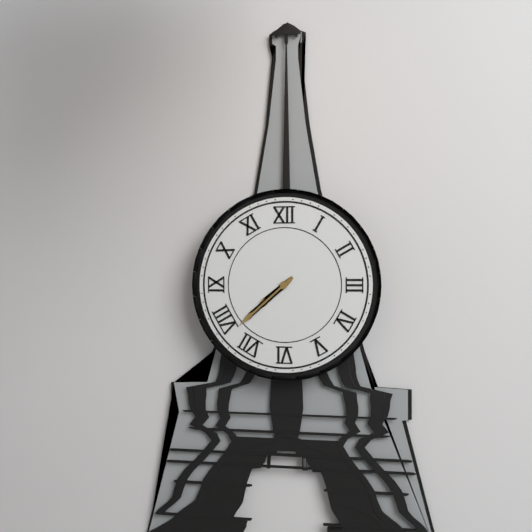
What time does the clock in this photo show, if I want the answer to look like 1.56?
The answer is 7.38
